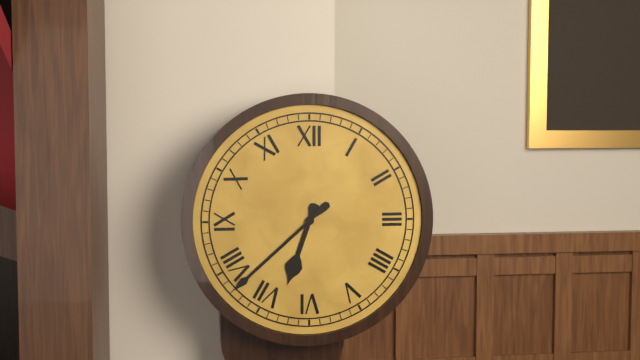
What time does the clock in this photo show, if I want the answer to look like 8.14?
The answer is 6.38
